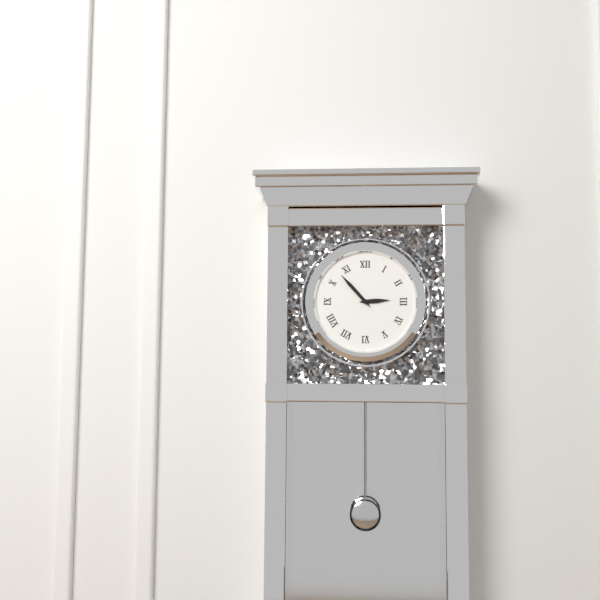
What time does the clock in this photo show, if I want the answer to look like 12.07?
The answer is 2.53
